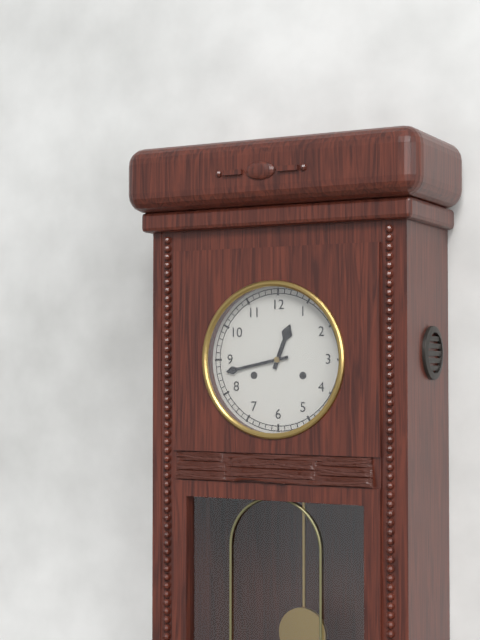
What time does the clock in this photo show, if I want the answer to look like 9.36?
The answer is 12.43
